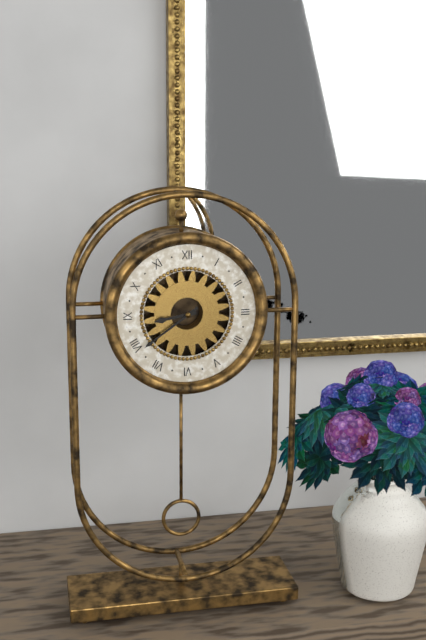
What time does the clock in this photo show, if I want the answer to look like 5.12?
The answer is 8.39
